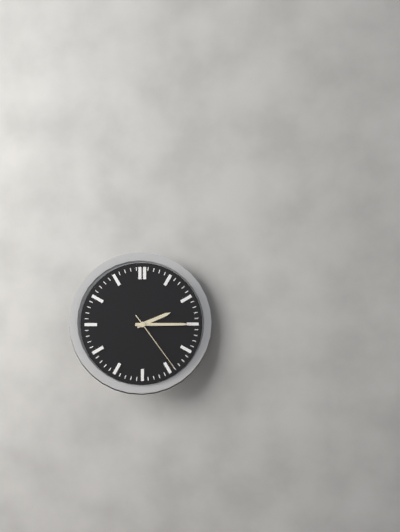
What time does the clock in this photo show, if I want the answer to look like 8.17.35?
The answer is 2.15.24
